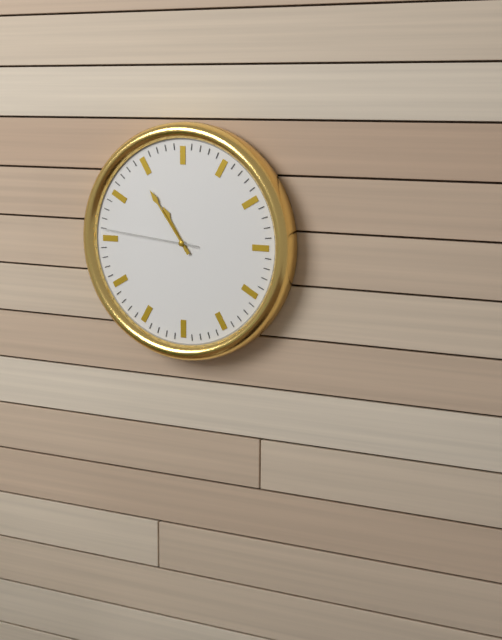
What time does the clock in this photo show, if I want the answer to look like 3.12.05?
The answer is 10.54.46
